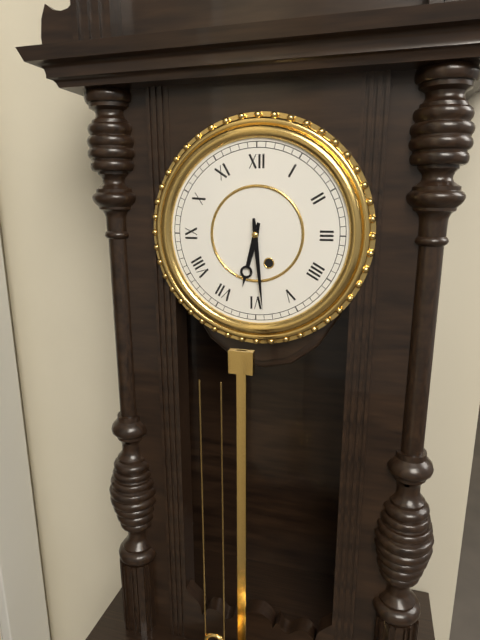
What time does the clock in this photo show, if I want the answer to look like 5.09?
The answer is 6.29
